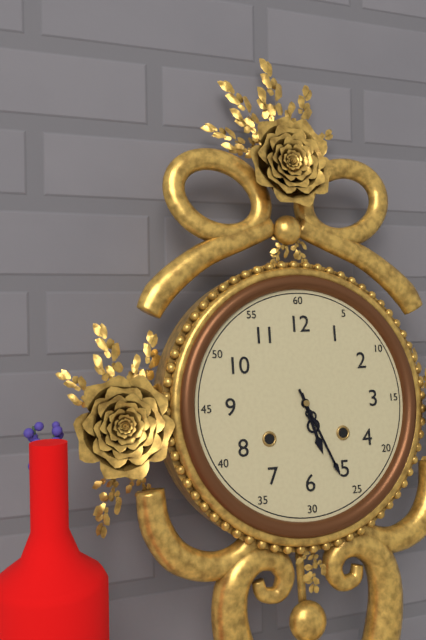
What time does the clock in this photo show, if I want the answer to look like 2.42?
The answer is 5.26
